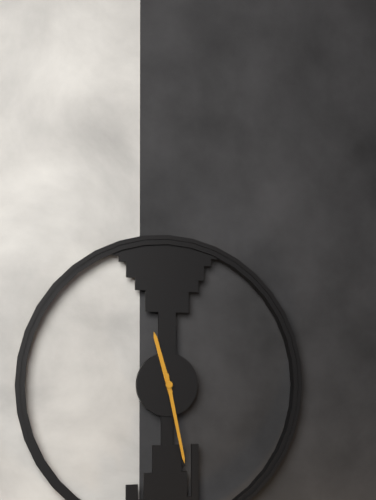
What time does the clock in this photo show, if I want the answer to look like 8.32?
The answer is 11.28
